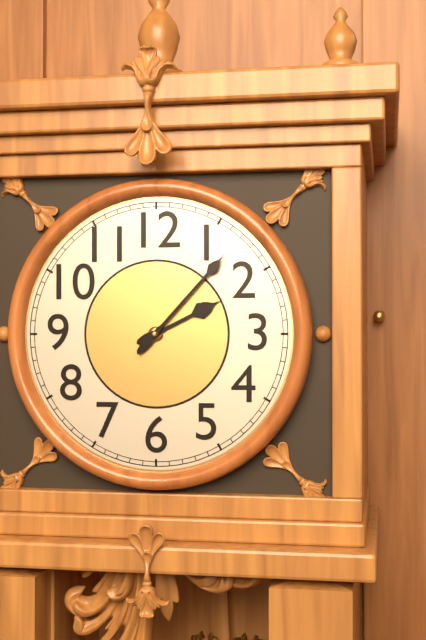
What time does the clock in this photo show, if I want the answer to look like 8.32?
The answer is 2.07
